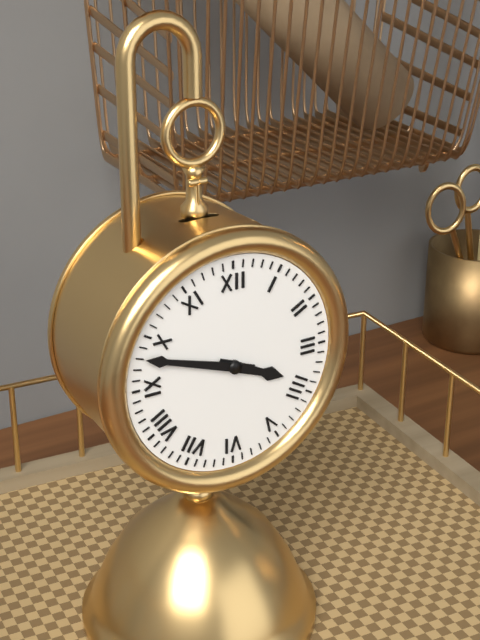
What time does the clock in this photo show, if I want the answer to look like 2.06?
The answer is 3.48
